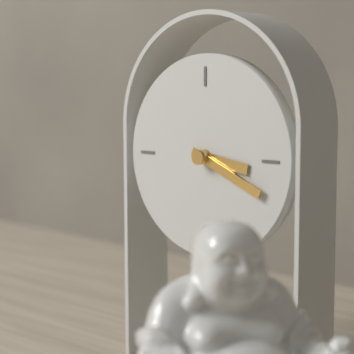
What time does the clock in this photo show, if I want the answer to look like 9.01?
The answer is 3.19
